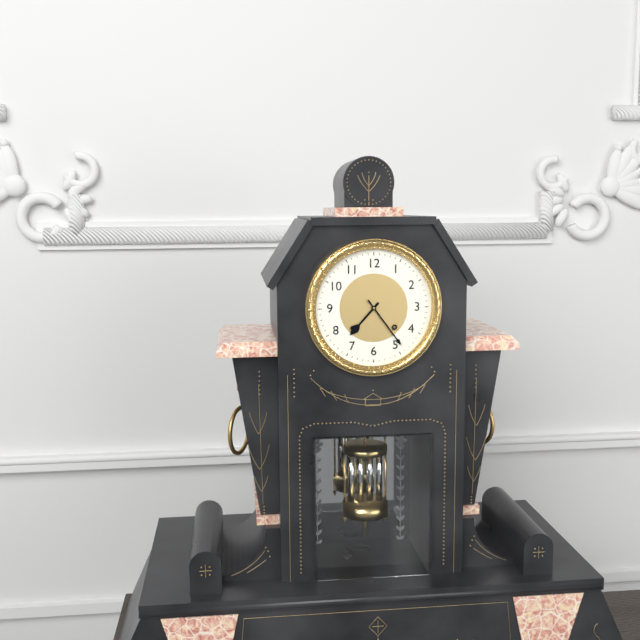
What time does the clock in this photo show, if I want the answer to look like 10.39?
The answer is 7.24
